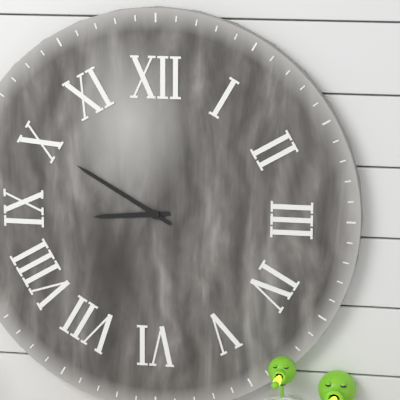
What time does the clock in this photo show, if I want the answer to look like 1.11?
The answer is 8.50
